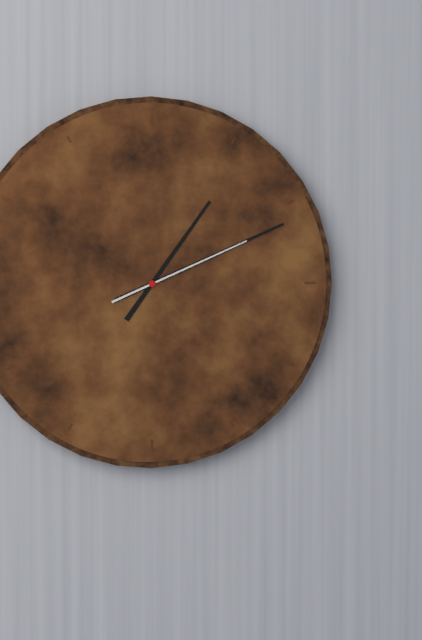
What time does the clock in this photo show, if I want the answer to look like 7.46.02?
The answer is 1.11.11
